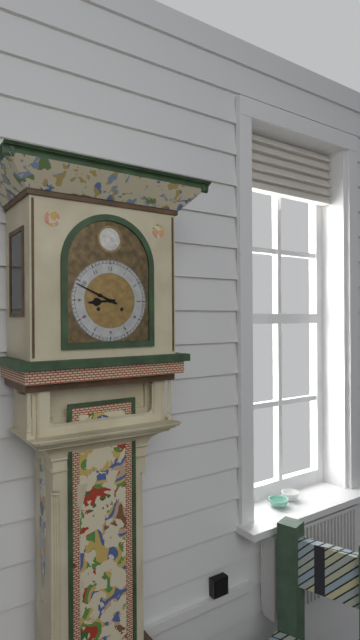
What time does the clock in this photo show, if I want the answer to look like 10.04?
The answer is 8.49
